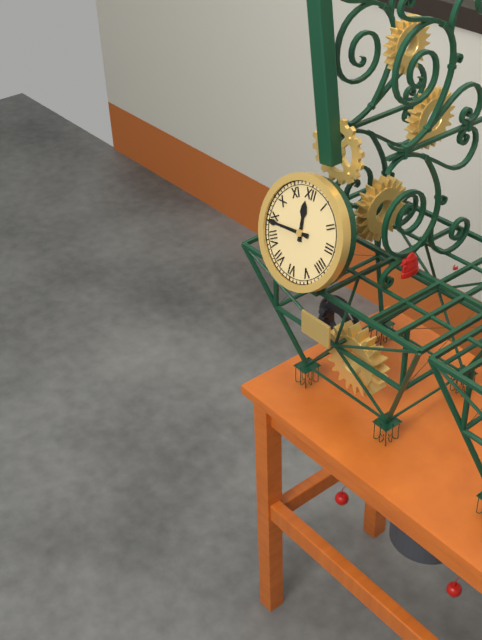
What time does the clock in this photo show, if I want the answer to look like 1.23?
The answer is 11.44
